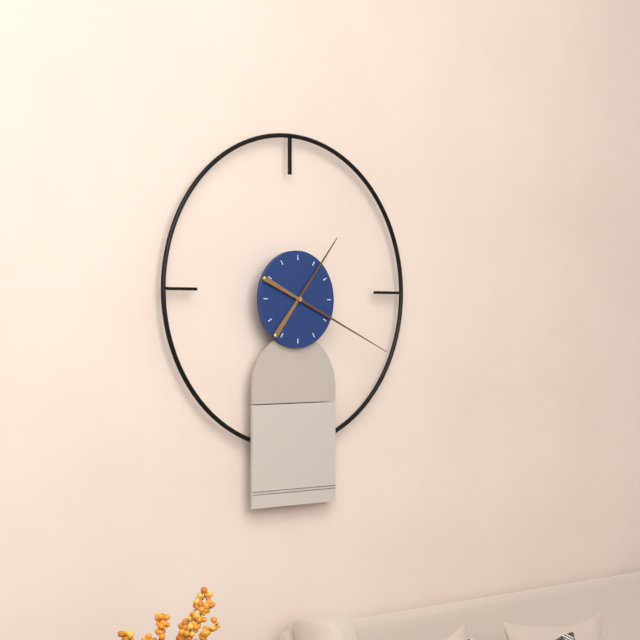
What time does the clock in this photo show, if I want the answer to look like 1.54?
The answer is 1.19
